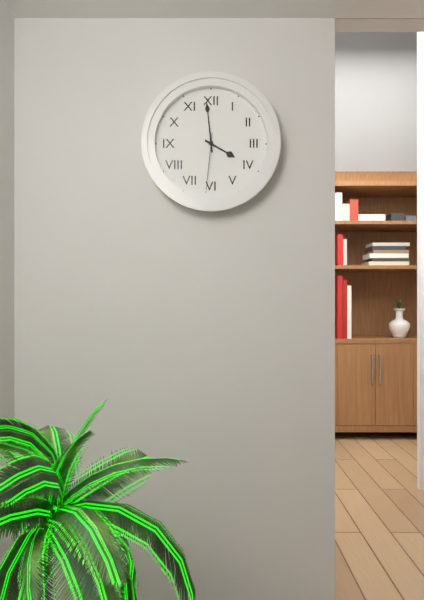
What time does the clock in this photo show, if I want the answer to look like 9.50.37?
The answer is 3.59.31
